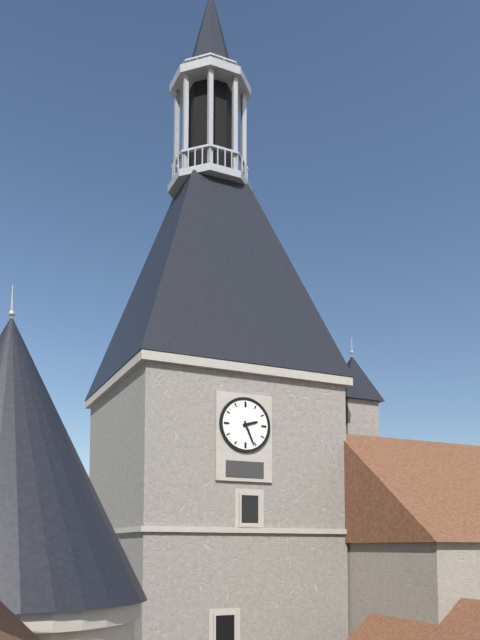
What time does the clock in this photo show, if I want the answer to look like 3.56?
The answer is 2.26
